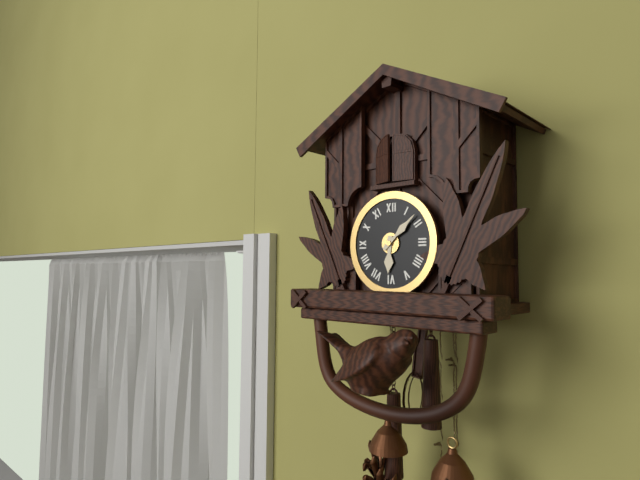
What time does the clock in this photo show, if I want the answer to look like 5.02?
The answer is 6.08
